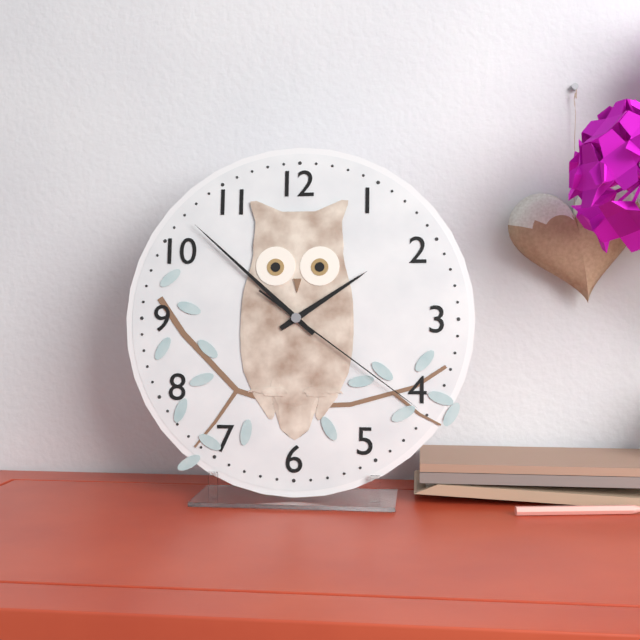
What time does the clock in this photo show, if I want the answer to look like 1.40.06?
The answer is 1.52.21
